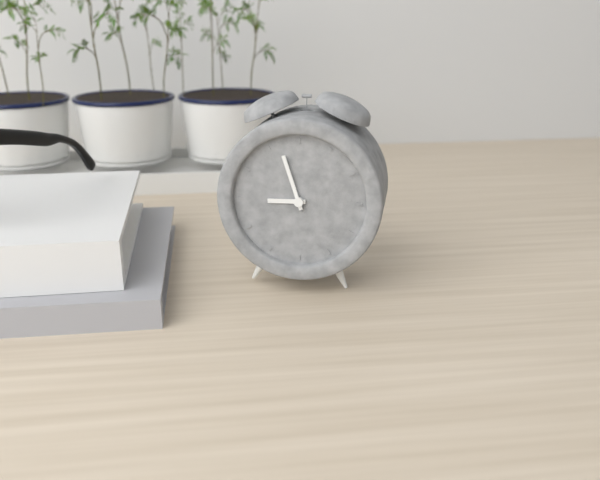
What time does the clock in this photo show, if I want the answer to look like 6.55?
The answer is 8.57
